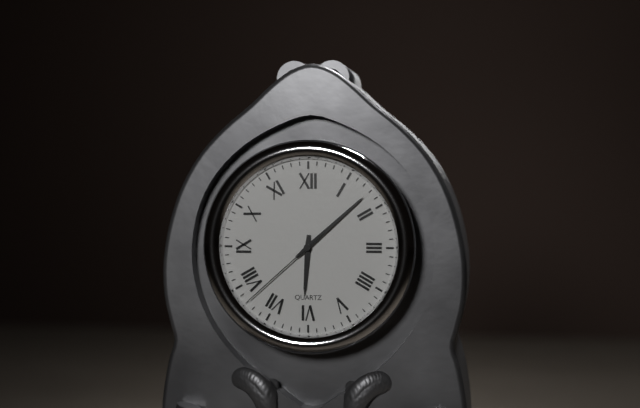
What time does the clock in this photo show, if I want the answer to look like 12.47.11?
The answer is 6.08.38
